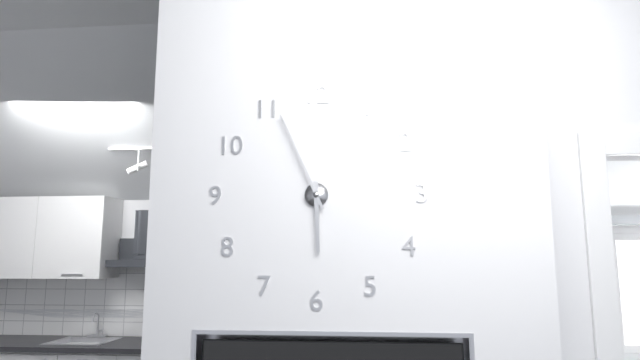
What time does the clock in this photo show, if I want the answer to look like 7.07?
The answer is 5.56
